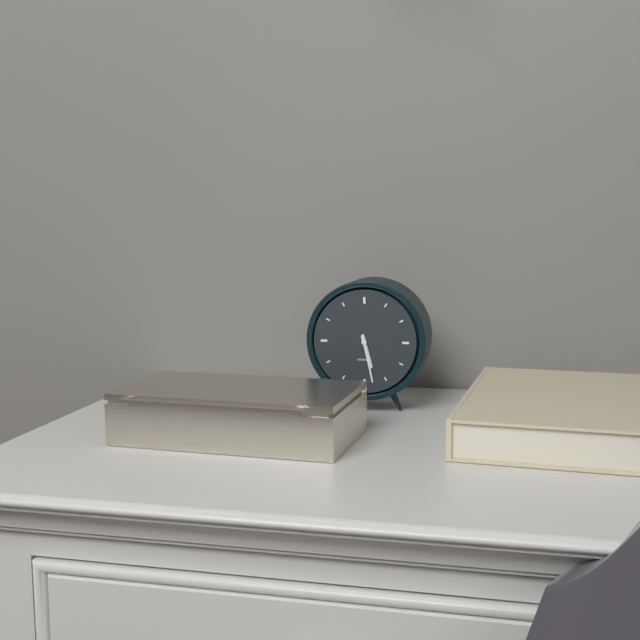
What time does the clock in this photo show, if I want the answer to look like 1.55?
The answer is 5.28
